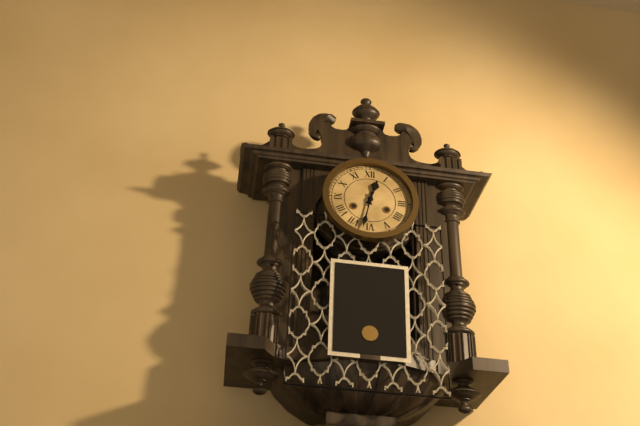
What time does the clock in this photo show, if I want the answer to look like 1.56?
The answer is 12.32
